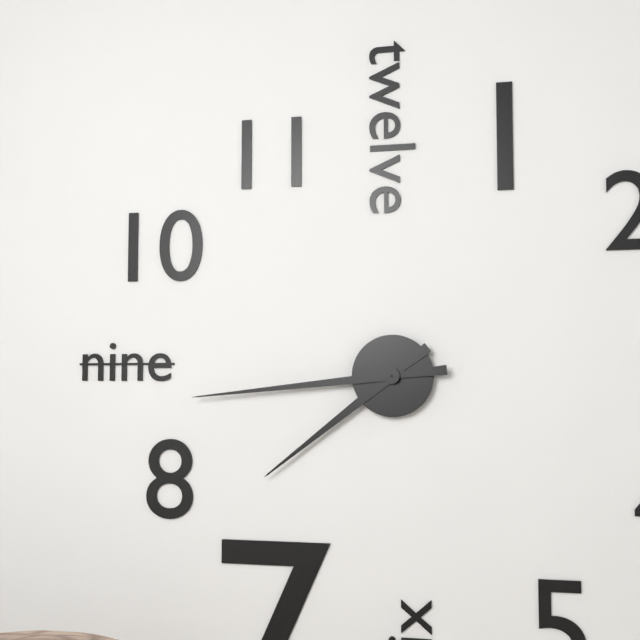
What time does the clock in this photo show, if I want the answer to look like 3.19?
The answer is 7.44
